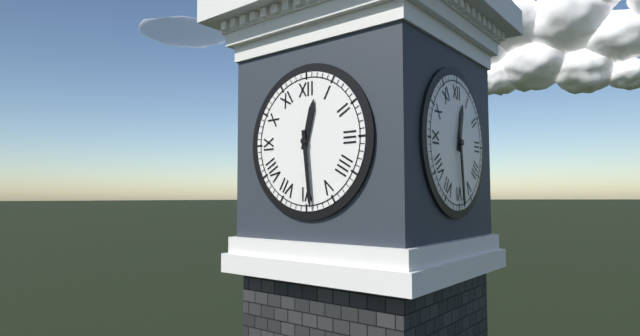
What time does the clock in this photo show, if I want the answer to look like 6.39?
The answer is 12.29
